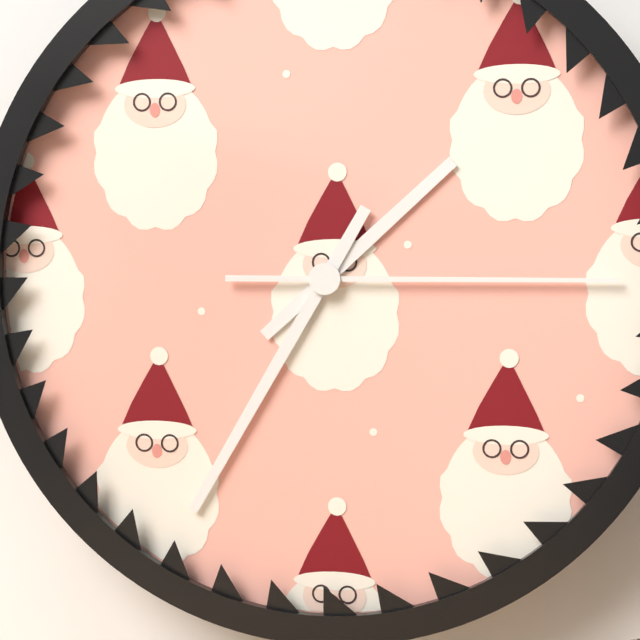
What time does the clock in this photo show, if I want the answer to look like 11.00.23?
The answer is 1.35.15
